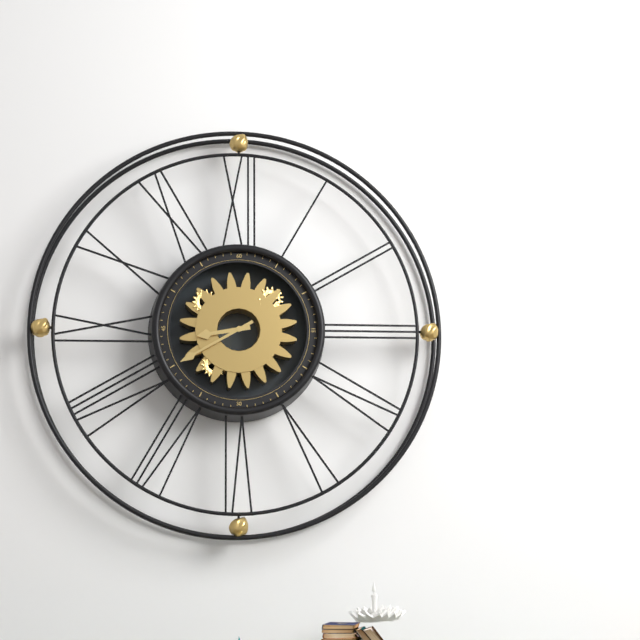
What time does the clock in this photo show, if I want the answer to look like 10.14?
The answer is 8.40
